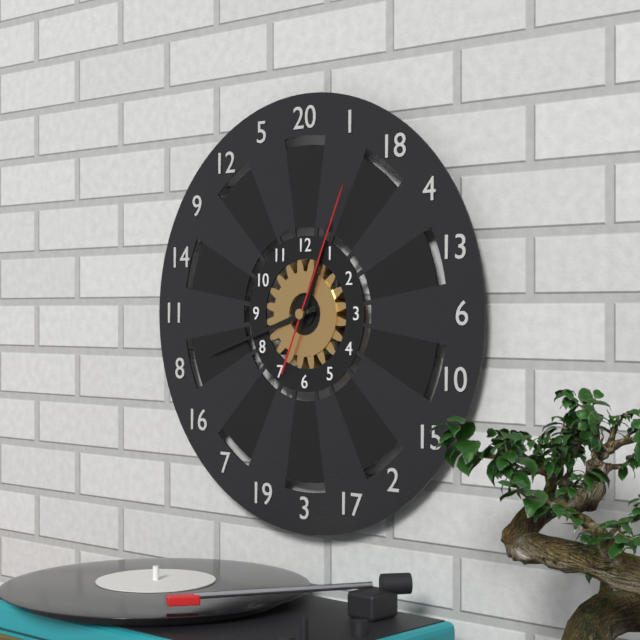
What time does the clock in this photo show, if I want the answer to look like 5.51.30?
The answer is 12.42.04
